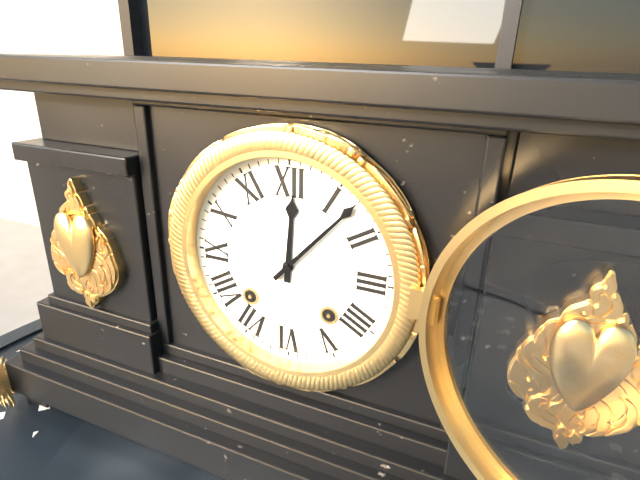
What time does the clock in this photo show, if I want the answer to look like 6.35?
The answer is 12.07
